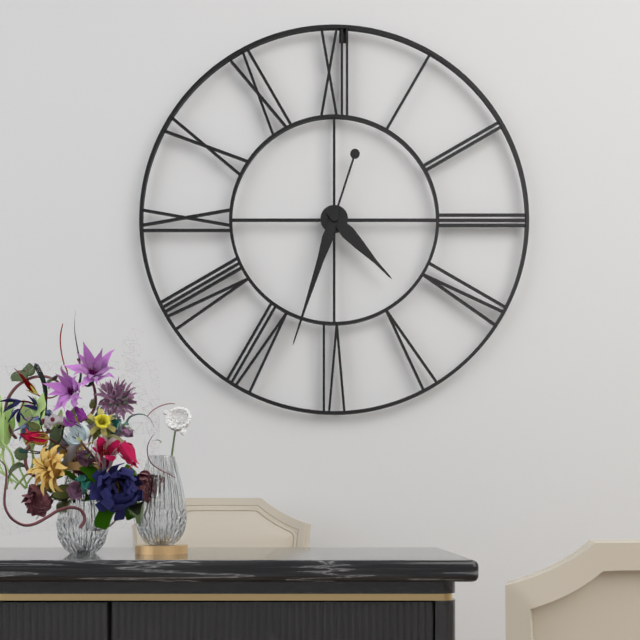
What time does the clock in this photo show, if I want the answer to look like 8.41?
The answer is 4.33
